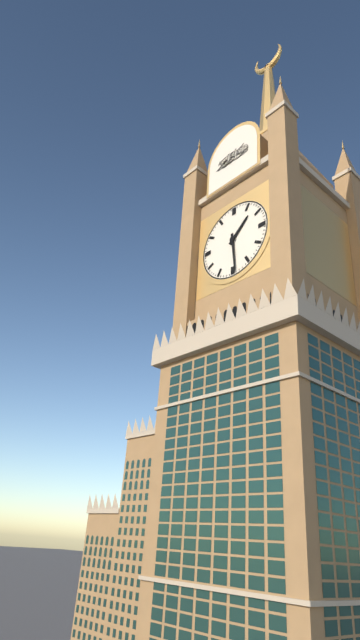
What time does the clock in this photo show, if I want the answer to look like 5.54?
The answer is 1.29
